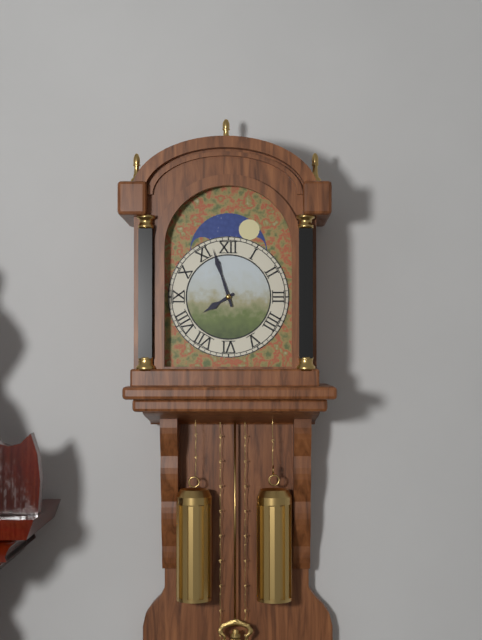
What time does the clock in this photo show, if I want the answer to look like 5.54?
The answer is 7.57
